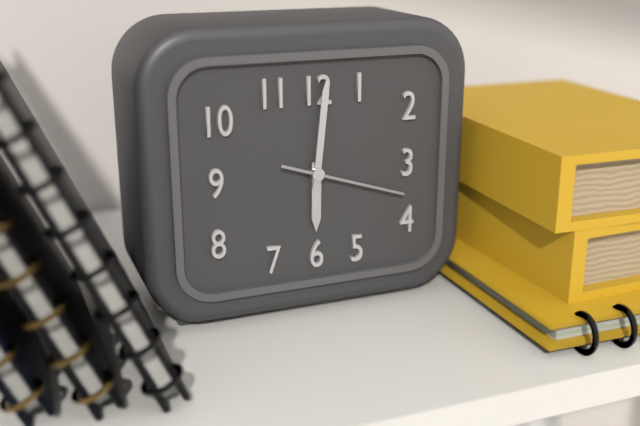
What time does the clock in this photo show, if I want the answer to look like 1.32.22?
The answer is 6.01.18
